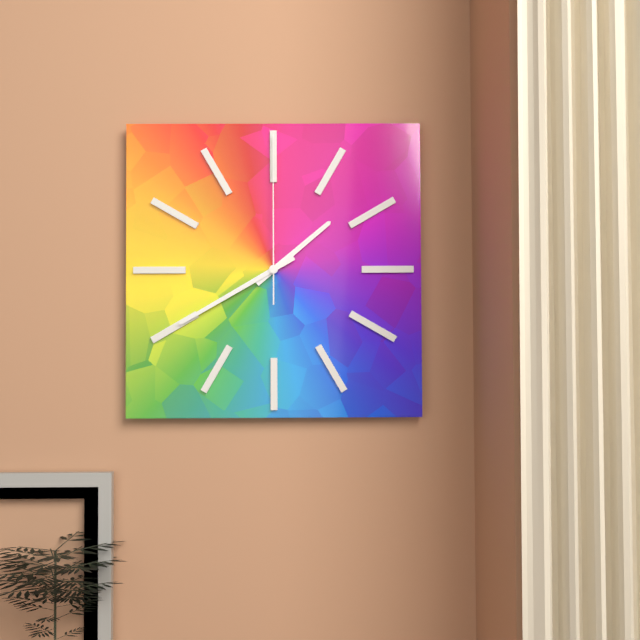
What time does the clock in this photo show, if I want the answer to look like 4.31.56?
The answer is 1.40.00
